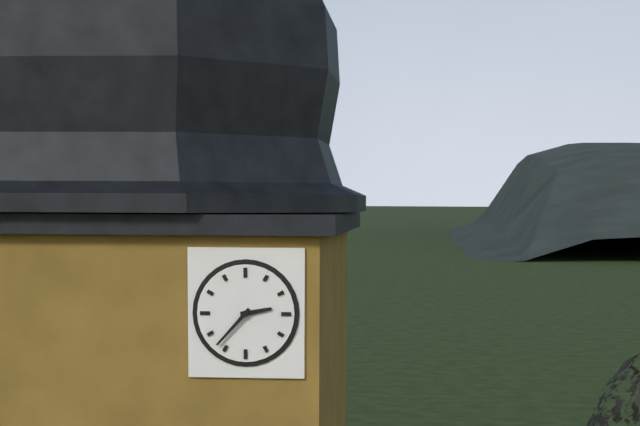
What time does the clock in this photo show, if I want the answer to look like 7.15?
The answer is 2.37
